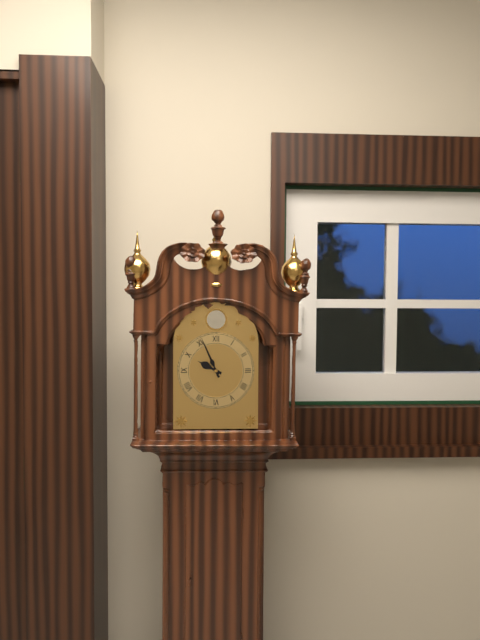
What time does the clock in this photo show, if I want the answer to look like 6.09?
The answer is 9.56
